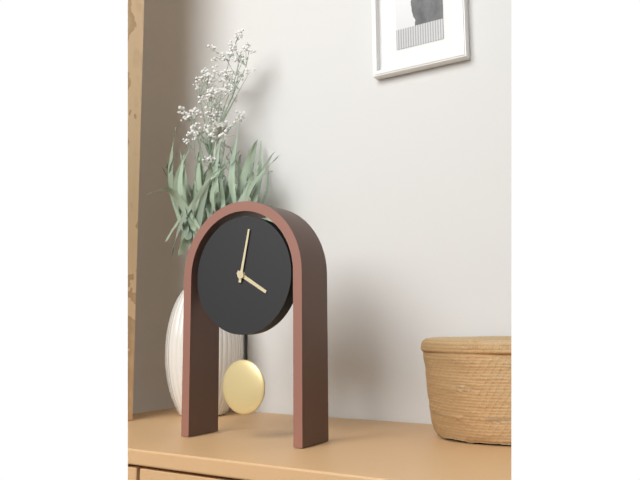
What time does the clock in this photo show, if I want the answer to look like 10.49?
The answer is 4.02
